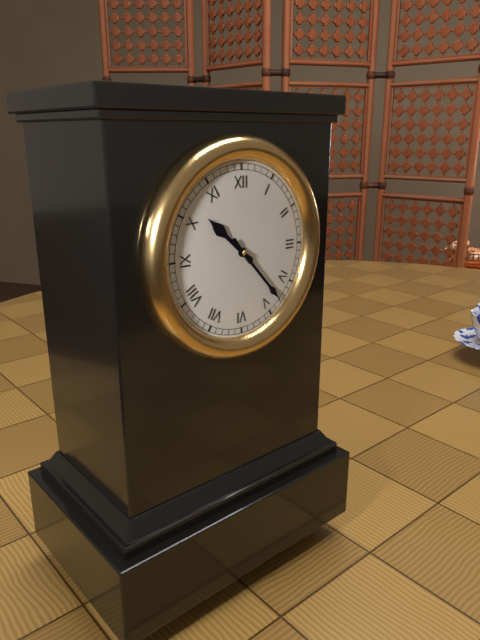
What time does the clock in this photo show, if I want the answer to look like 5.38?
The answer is 10.23
